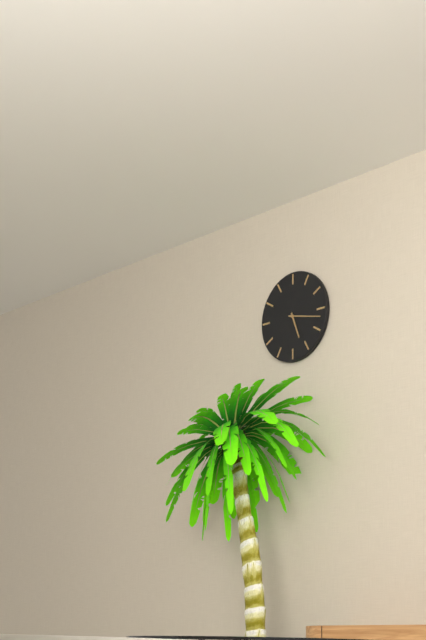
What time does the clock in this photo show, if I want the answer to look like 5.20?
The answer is 5.17
